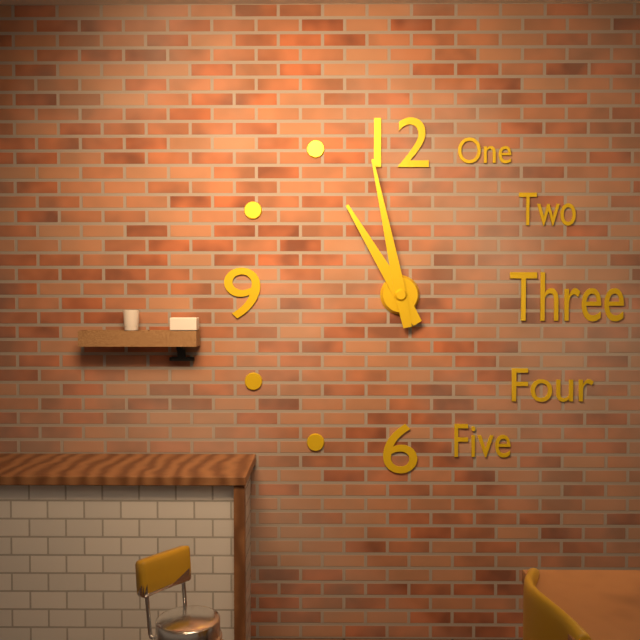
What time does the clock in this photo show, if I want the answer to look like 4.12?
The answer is 10.58
